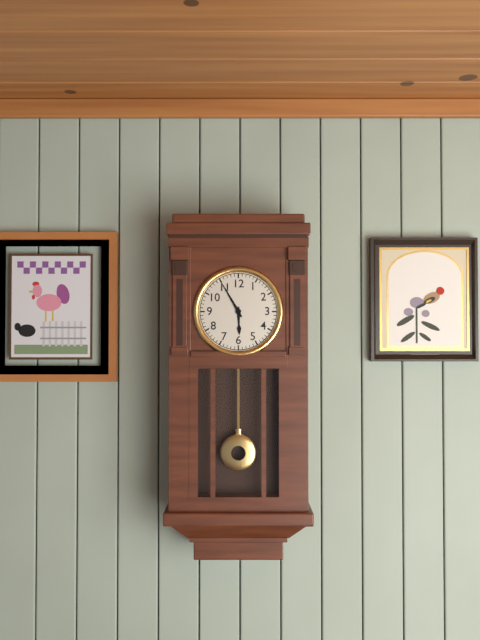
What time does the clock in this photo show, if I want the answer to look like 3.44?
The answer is 5.55
